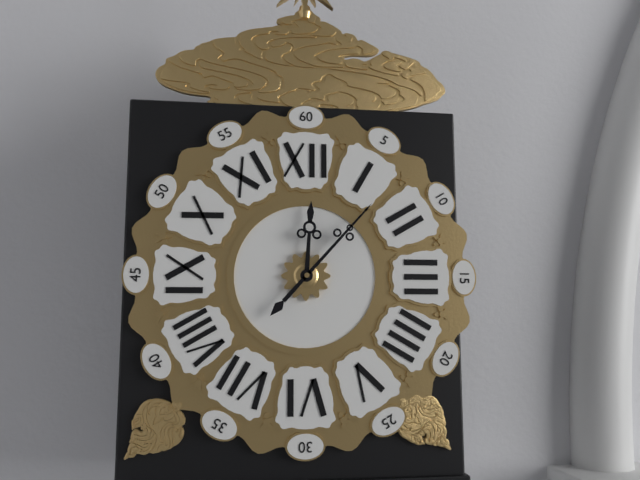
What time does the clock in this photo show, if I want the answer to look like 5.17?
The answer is 12.07
